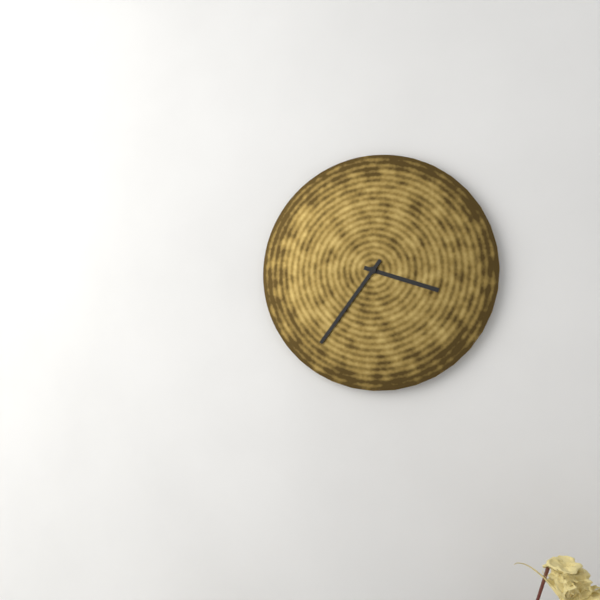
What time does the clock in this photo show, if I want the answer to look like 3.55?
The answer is 3.36
